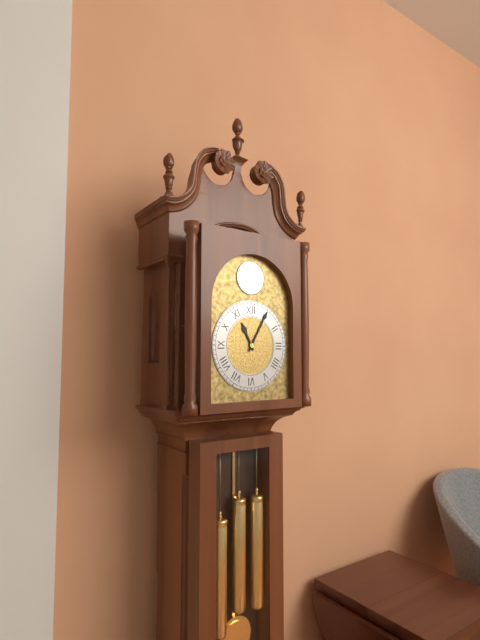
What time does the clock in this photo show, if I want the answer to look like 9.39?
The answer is 11.05
